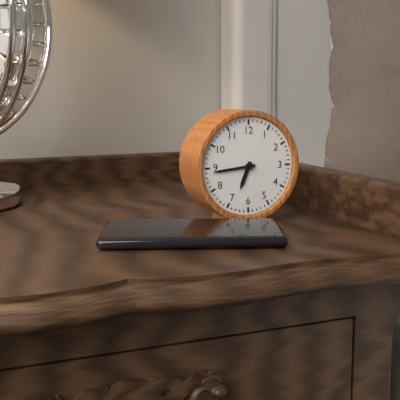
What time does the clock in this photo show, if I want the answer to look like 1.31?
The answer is 6.44
